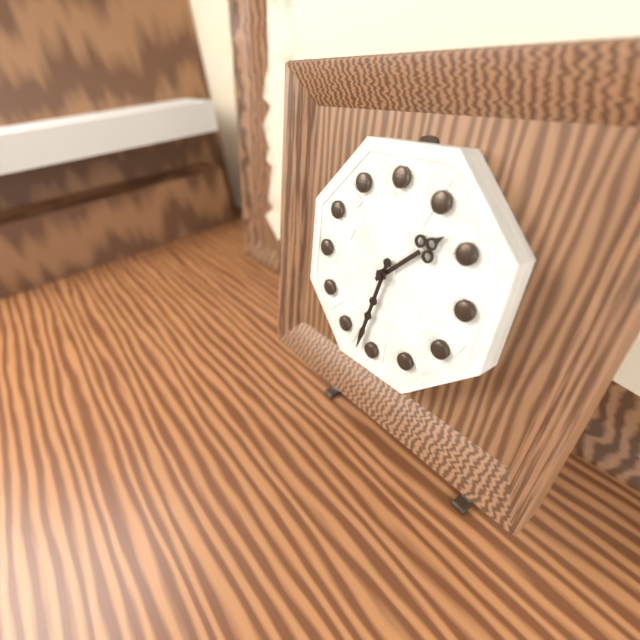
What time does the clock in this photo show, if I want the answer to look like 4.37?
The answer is 1.32
